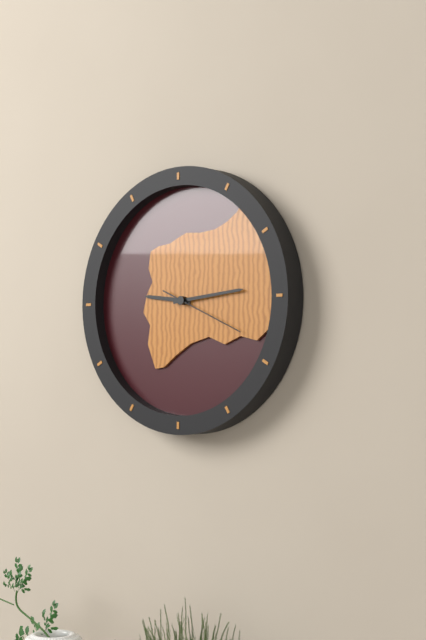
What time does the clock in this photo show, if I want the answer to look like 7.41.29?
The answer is 9.14.19
